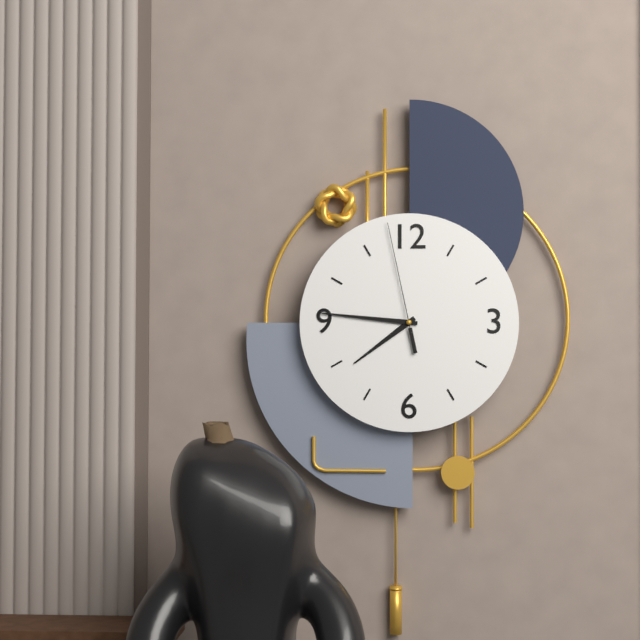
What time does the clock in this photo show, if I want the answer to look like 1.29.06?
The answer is 7.46.58
